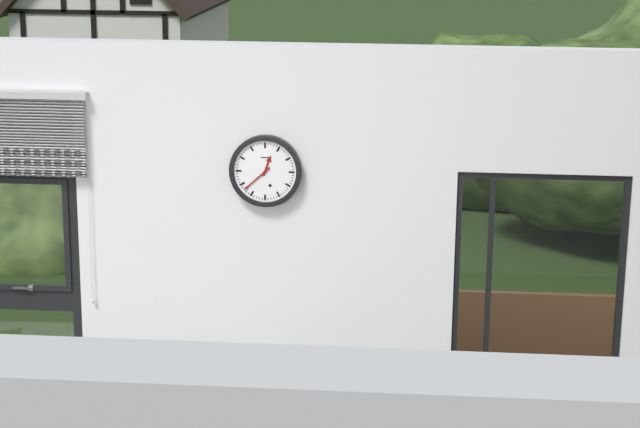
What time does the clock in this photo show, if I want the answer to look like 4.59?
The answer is 12.38
